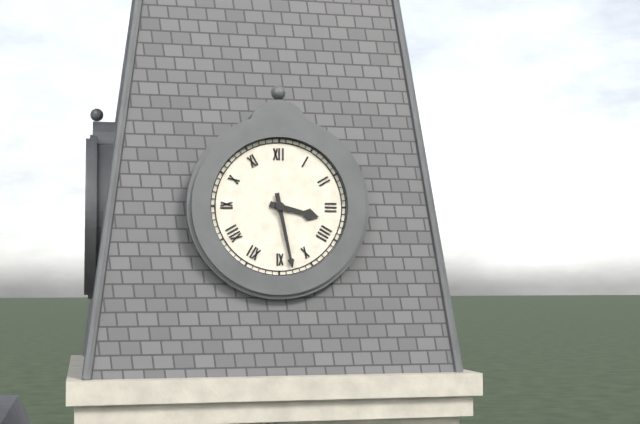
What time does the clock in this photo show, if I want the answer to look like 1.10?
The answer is 3.28
